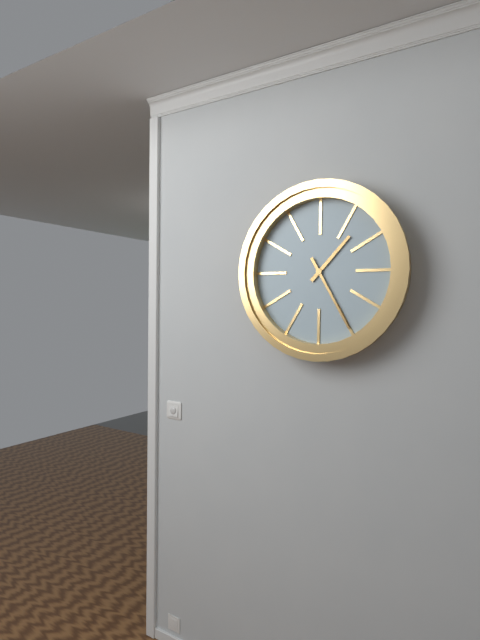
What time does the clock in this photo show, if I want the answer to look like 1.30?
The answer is 1.25
